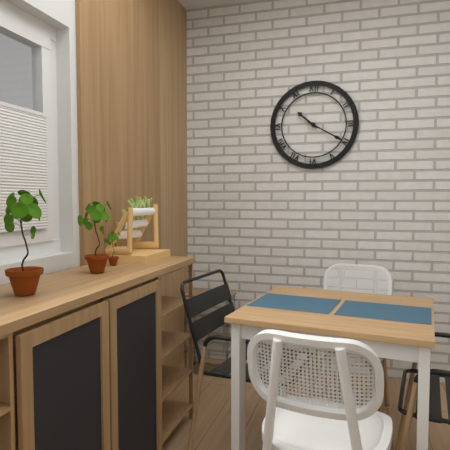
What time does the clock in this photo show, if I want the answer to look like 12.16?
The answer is 10.20
